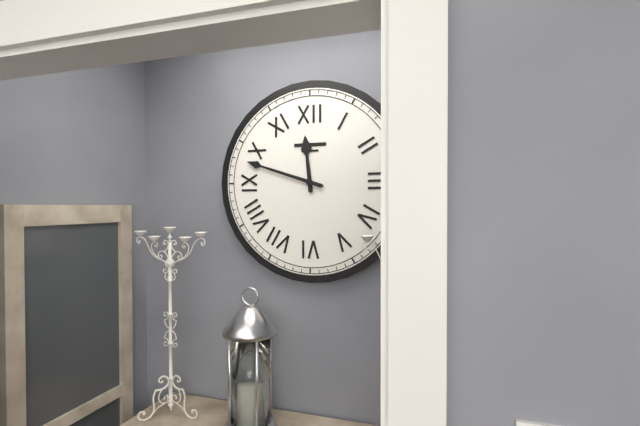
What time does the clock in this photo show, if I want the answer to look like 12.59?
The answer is 11.48
